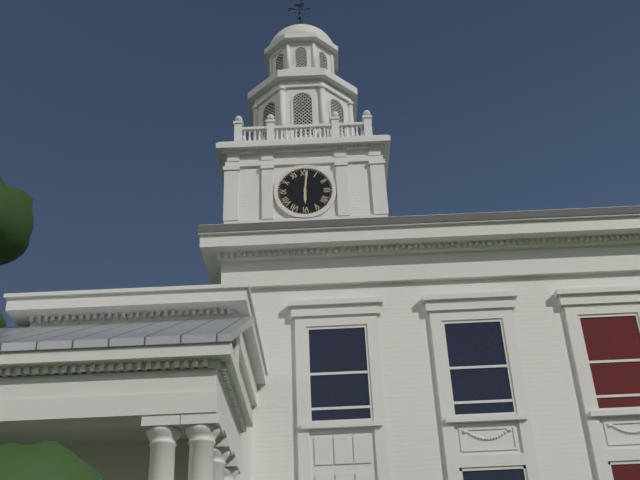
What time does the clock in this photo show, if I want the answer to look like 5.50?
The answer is 6.01
